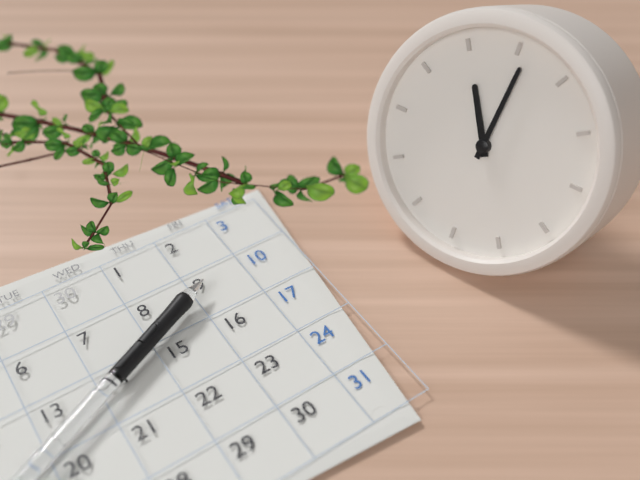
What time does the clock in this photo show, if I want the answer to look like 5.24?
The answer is 11.01
